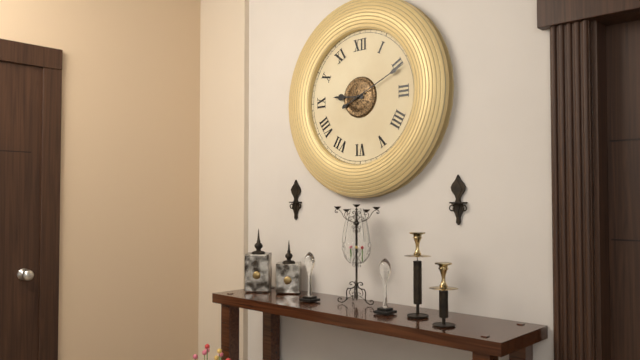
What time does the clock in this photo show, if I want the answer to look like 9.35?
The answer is 9.11
